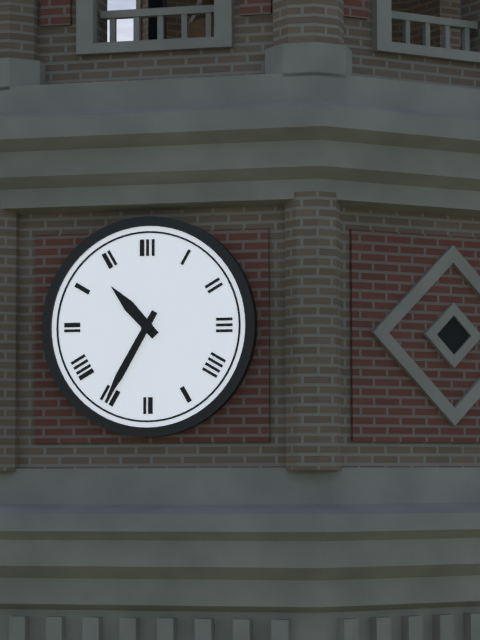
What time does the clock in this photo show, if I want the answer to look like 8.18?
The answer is 10.35
